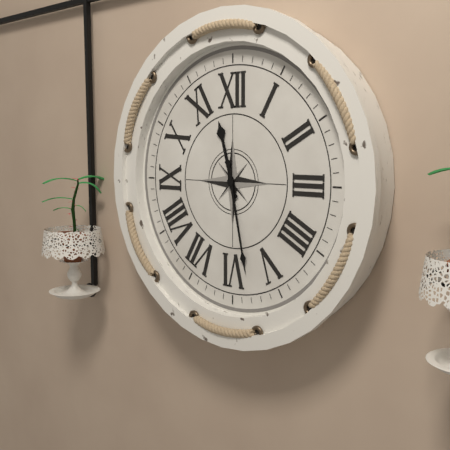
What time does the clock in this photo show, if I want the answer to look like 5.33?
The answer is 11.28
